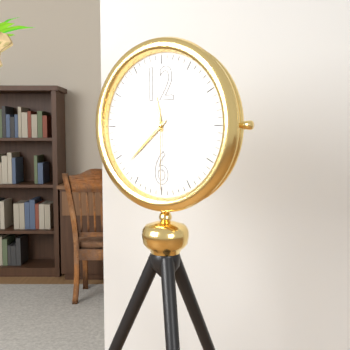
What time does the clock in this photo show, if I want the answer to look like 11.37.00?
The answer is 11.38.30
